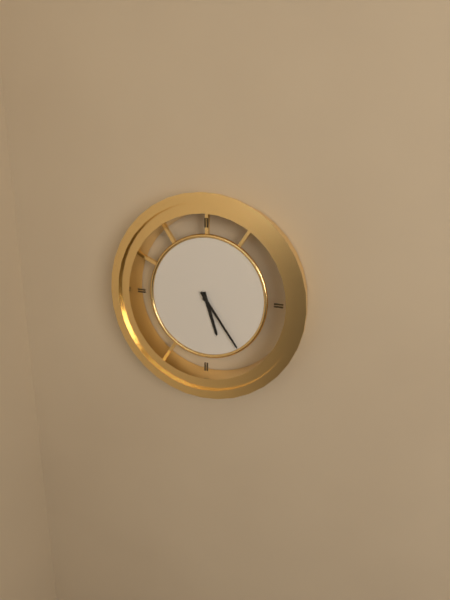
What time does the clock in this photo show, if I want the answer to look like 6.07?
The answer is 5.24
